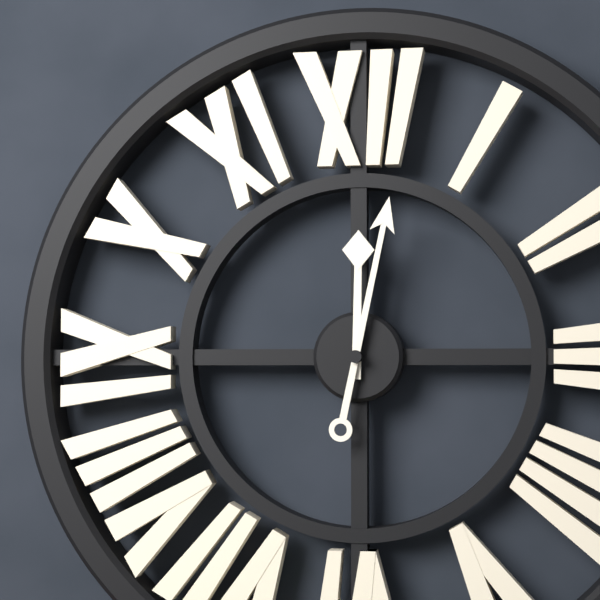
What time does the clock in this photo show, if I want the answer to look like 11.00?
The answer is 12.02
